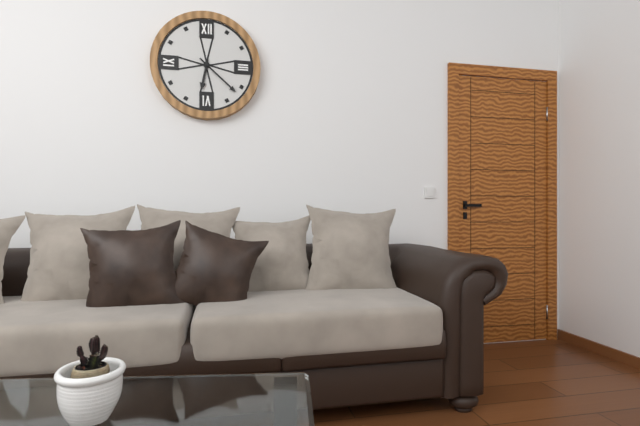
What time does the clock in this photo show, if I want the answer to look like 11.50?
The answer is 6.22
